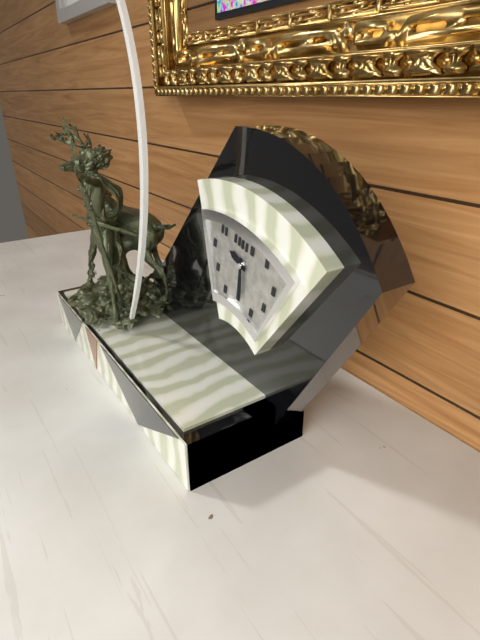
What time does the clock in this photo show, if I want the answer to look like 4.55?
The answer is 9.29
